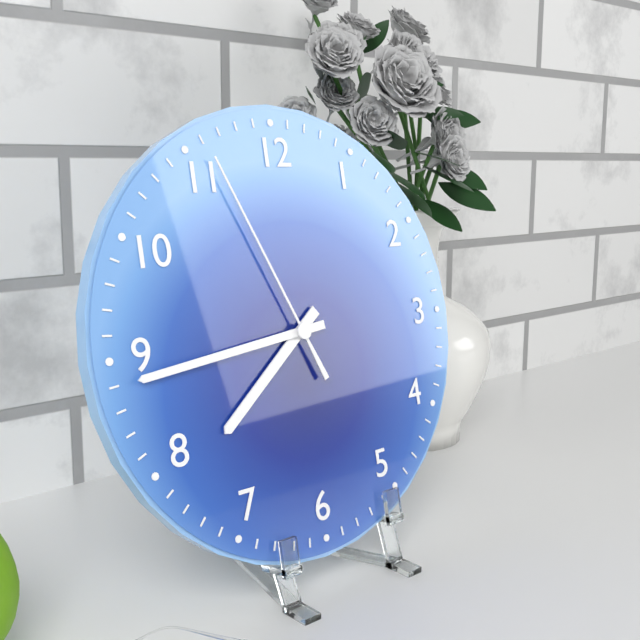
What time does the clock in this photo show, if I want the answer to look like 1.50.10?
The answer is 7.44.56
